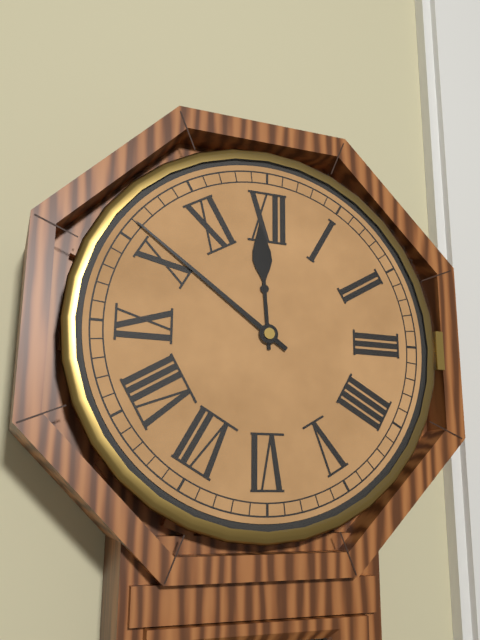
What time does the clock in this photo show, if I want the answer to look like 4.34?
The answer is 11.51
